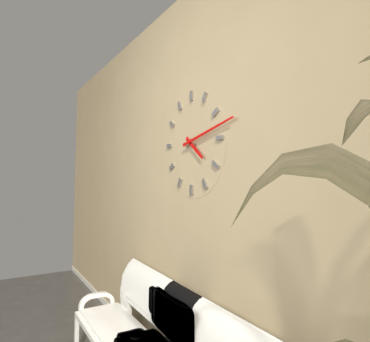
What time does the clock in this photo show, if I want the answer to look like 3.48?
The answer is 4.13
